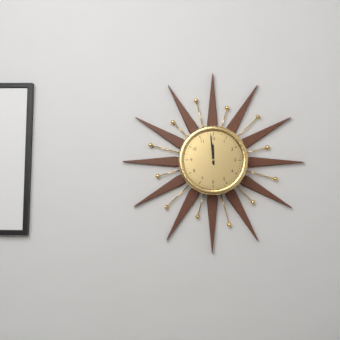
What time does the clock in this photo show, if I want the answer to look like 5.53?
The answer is 11.59
